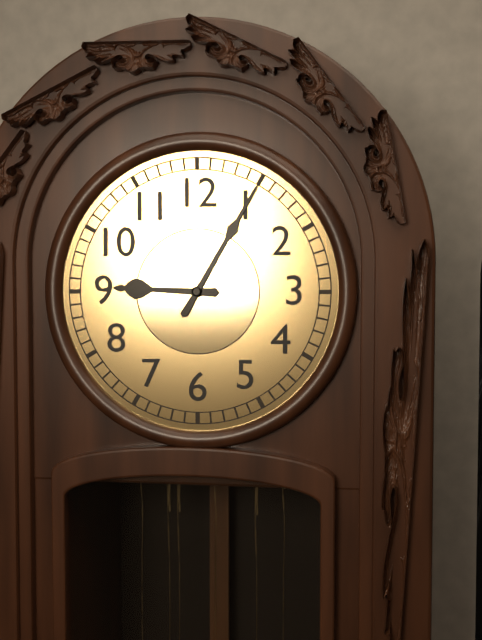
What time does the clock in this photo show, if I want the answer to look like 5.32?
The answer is 9.05
